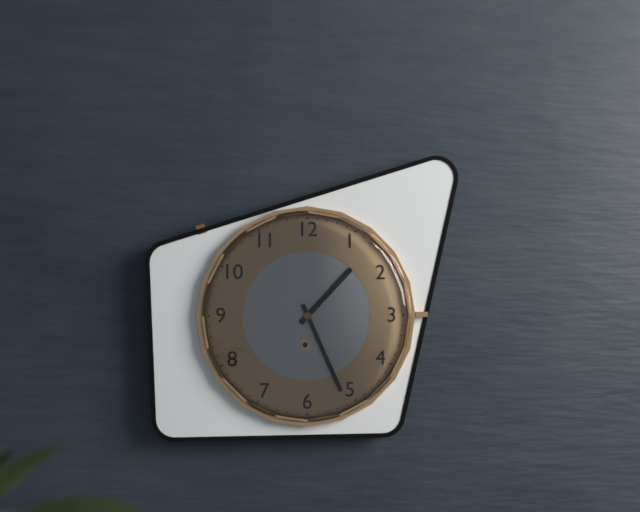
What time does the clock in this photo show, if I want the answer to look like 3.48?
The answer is 1.26
